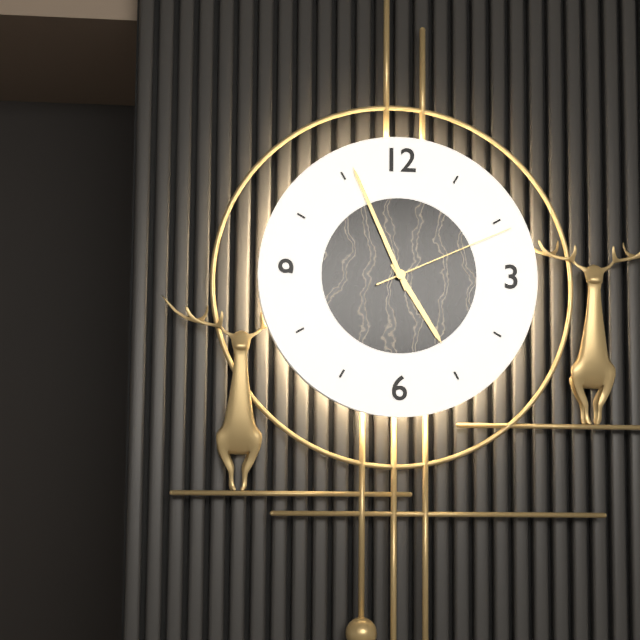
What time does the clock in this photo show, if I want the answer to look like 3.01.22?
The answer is 4.56.11
